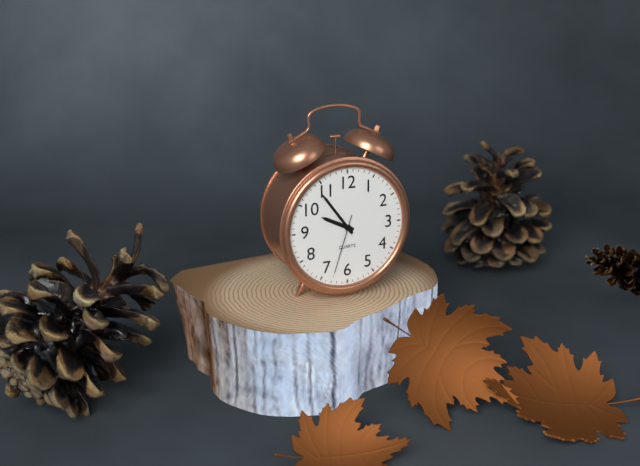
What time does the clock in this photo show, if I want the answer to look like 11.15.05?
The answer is 9.54.33
